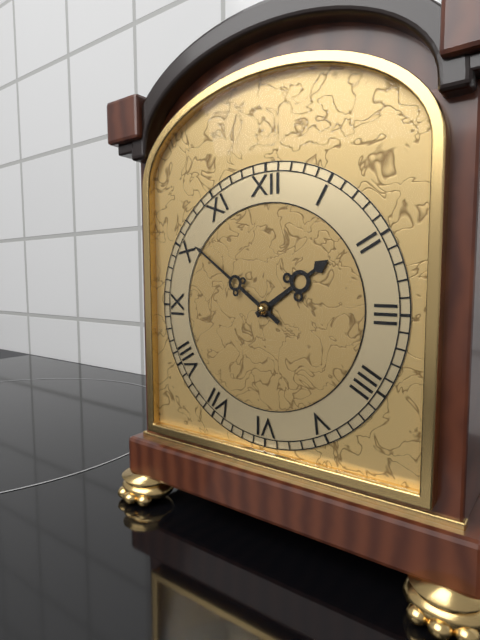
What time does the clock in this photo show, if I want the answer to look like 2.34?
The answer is 1.51
